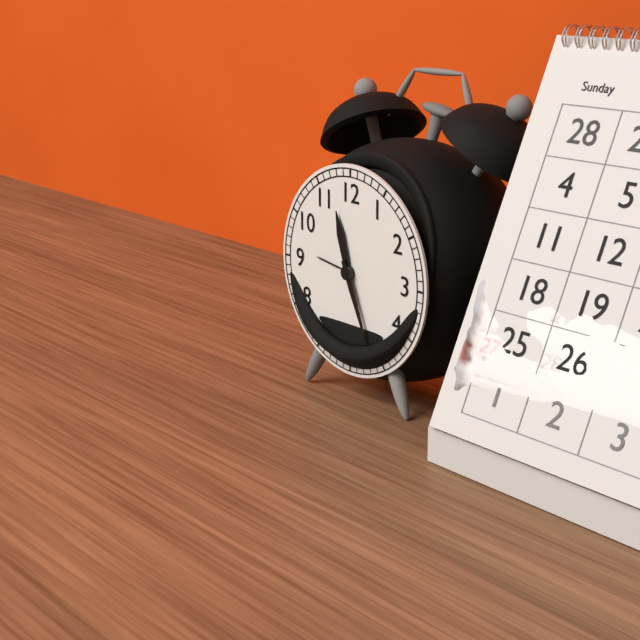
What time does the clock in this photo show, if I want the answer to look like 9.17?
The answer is 11.26
